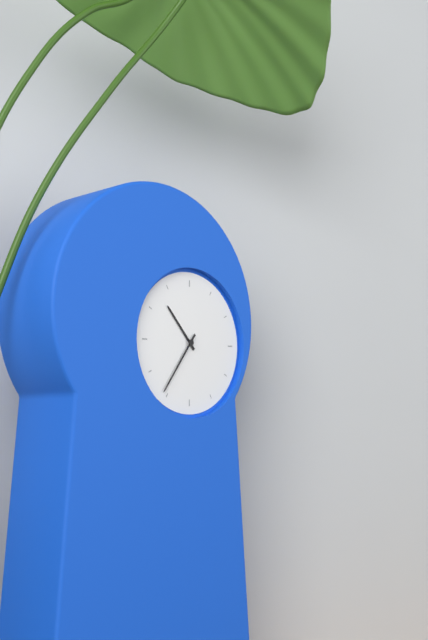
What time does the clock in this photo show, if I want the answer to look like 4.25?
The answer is 10.36
